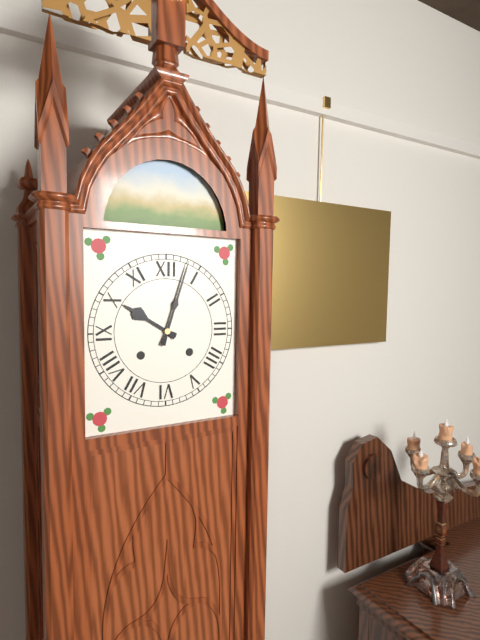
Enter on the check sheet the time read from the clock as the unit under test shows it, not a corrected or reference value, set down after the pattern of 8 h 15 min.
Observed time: 10 h 03 min
